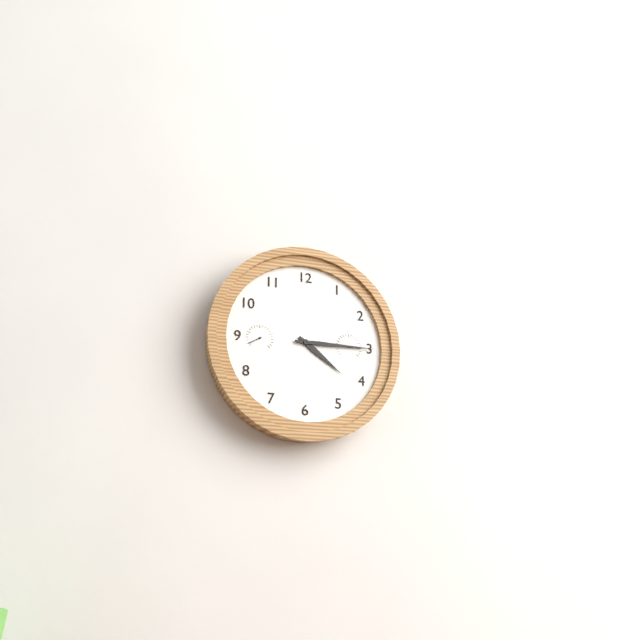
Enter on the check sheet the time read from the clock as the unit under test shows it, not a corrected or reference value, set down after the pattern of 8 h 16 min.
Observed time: 4 h 15 min
